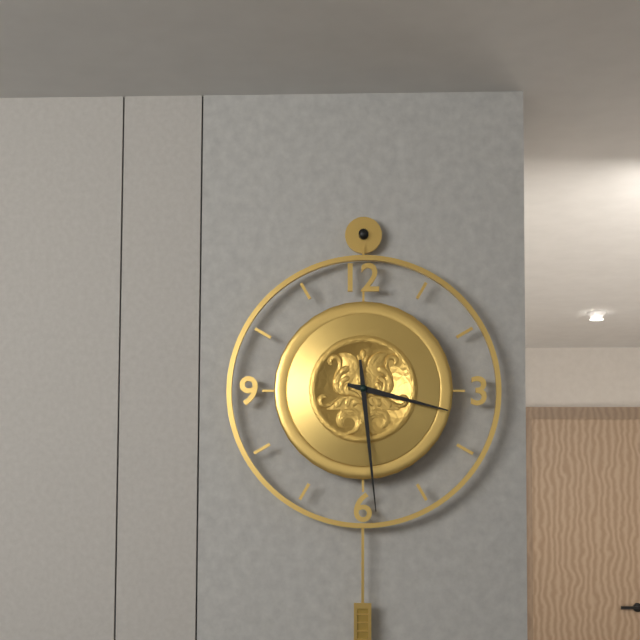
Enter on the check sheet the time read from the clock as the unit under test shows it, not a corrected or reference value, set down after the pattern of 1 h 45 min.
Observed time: 3 h 29 min
